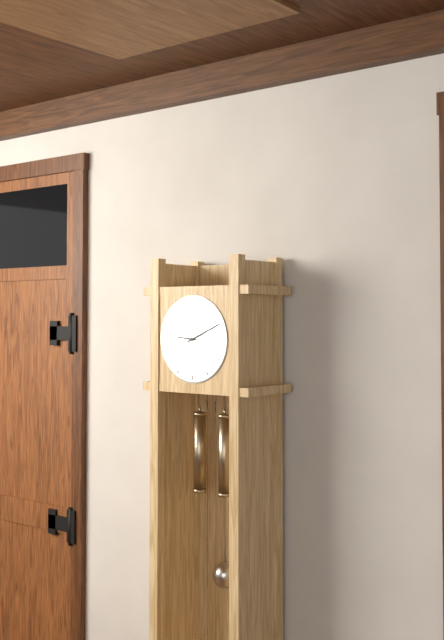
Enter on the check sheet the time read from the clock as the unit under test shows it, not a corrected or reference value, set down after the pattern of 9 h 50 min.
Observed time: 9 h 11 min
